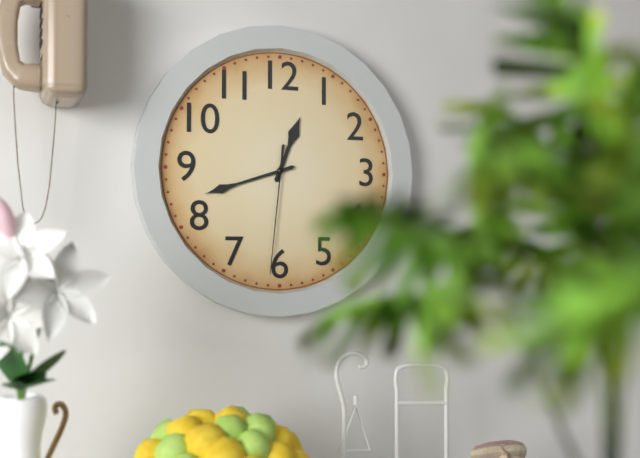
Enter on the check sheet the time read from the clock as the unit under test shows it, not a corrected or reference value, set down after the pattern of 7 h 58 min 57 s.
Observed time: 12 h 42 min 31 s
